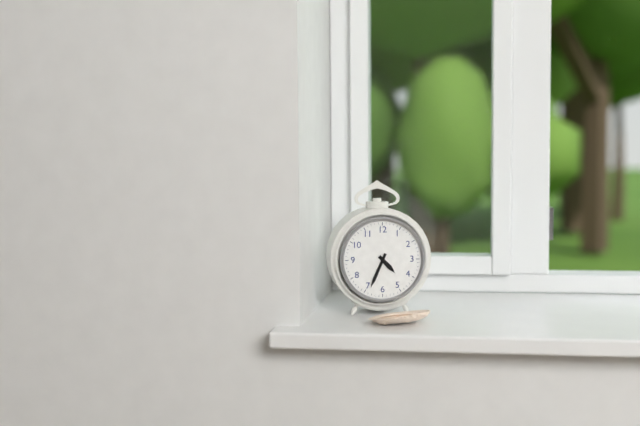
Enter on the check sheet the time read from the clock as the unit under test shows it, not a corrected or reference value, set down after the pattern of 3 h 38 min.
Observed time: 4 h 34 min
